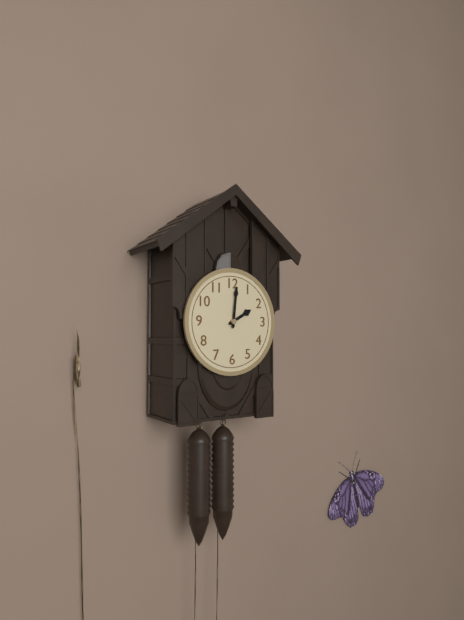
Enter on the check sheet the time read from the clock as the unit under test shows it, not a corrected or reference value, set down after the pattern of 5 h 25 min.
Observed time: 2 h 01 min
